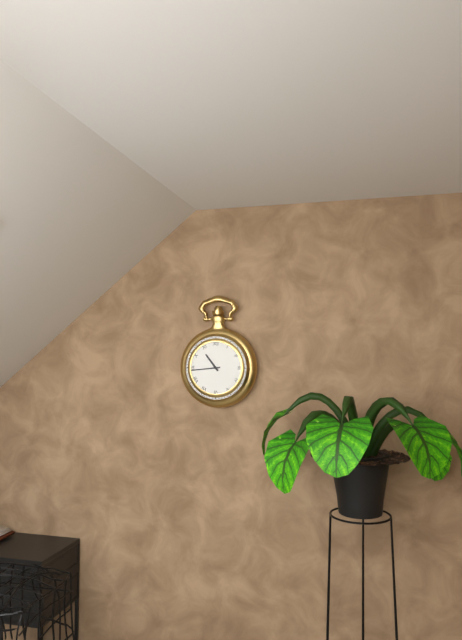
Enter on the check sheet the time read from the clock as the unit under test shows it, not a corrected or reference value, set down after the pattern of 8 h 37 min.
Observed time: 10 h 44 min
